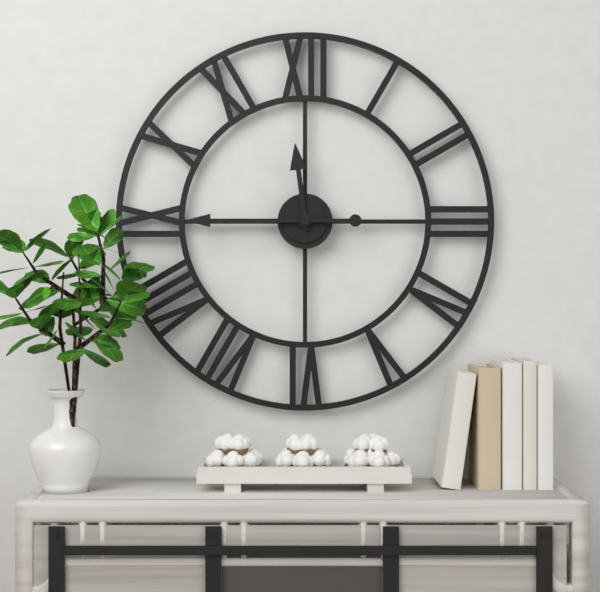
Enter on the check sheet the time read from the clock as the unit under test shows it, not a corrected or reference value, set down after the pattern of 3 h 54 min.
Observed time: 11 h 45 min
